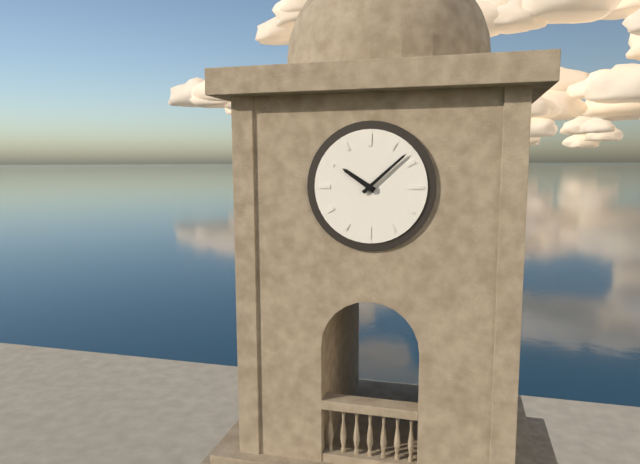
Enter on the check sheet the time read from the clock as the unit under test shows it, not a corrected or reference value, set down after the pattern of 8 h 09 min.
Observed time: 10 h 08 min
